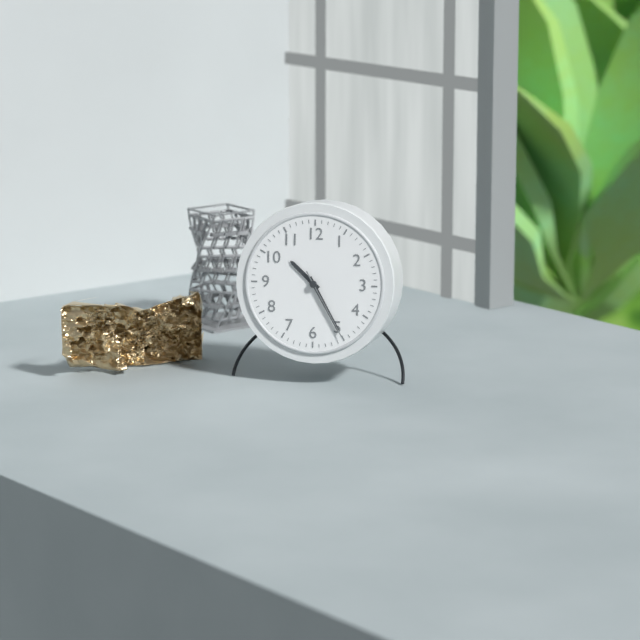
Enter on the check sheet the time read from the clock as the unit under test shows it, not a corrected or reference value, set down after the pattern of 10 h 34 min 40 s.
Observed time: 10 h 25 min 25 s
